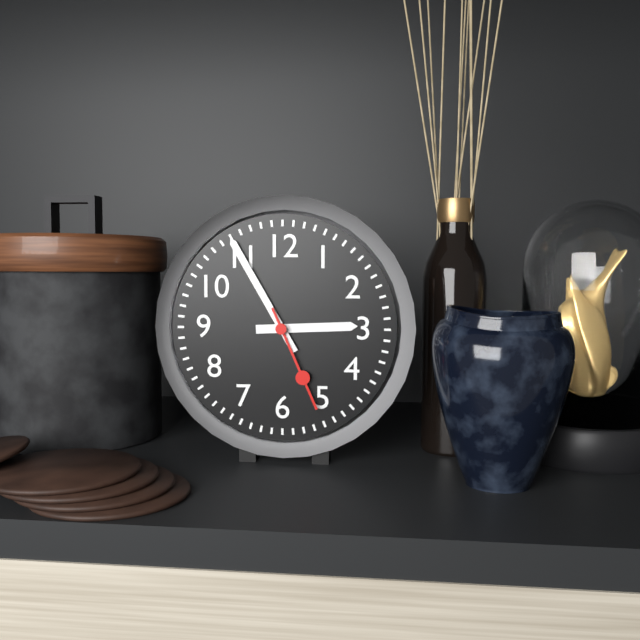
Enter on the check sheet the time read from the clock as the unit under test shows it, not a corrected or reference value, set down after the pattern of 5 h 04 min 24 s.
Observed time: 2 h 55 min 26 s
